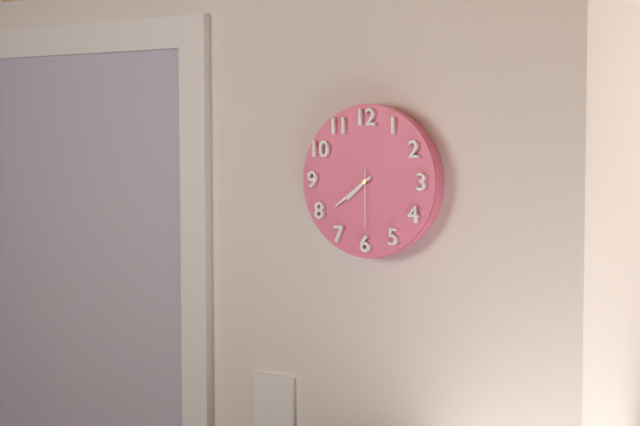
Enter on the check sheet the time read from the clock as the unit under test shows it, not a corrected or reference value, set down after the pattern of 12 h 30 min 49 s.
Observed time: 7 h 39 min 30 s
